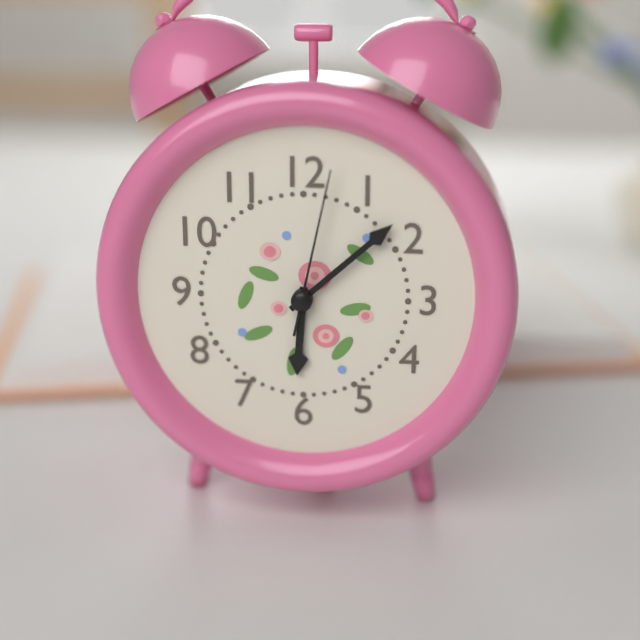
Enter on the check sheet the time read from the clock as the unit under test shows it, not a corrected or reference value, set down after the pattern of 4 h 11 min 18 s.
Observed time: 6 h 08 min 02 s
